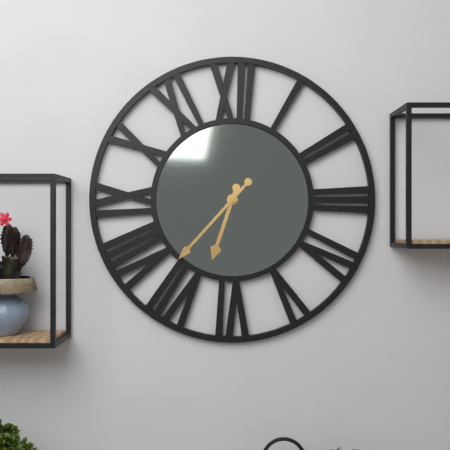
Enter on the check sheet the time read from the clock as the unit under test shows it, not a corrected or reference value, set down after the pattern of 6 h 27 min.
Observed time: 6 h 37 min
